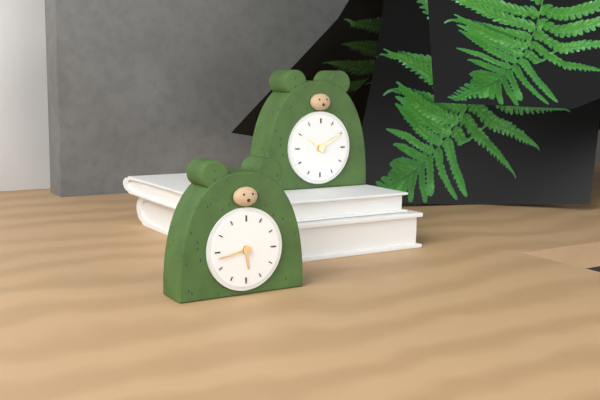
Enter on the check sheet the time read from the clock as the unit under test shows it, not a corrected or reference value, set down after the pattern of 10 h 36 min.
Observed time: 5 h 43 min
